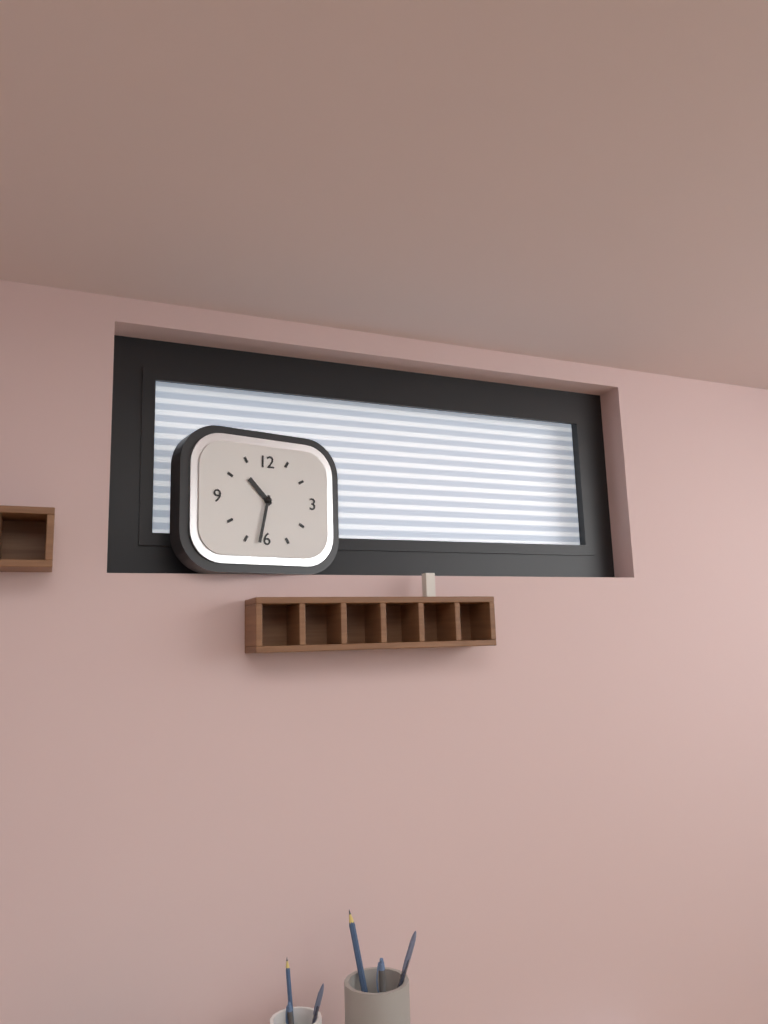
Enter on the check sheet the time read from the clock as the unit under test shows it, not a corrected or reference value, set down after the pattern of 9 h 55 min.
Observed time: 10 h 32 min
